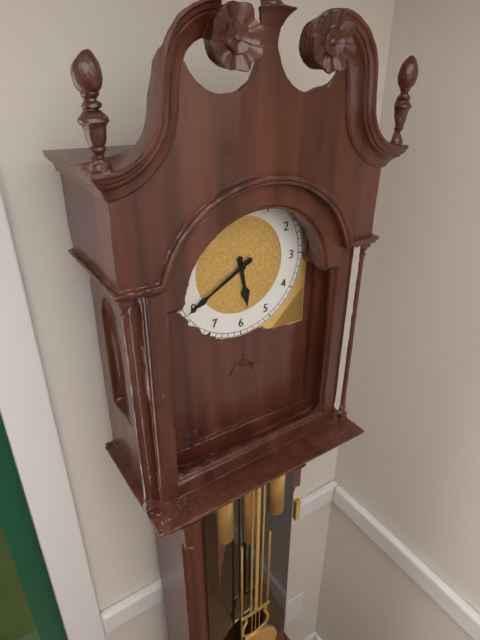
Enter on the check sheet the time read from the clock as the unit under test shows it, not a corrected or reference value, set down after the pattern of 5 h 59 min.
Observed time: 5 h 40 min
